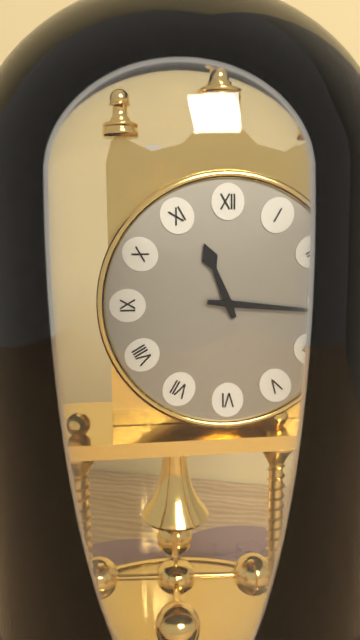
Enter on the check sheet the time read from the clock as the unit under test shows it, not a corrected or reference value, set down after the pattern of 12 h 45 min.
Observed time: 11 h 16 min
